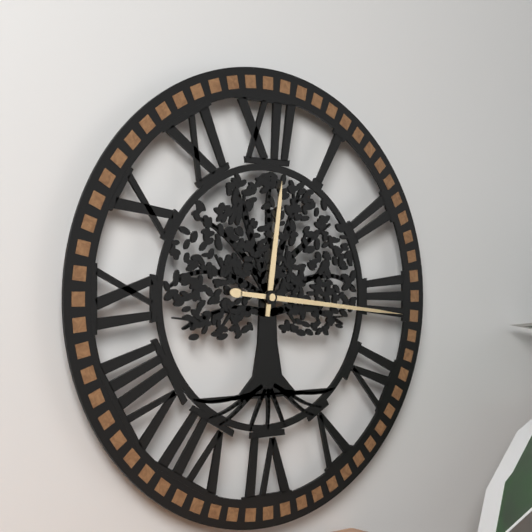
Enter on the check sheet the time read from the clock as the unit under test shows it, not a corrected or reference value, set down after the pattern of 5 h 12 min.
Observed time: 12 h 16 min
